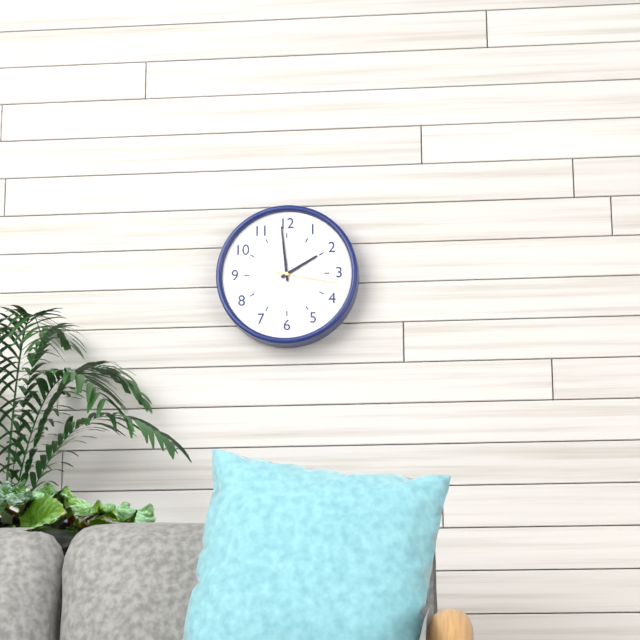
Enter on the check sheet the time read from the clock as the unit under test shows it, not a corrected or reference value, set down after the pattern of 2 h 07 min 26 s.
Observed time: 1 h 59 min 17 s
